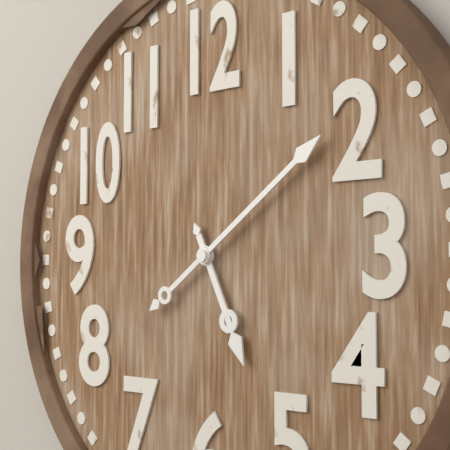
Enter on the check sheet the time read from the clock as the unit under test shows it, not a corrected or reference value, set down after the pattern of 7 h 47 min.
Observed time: 5 h 09 min
